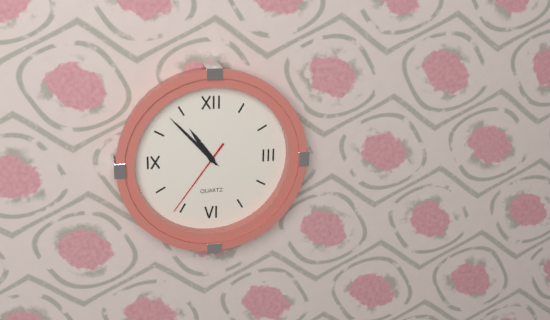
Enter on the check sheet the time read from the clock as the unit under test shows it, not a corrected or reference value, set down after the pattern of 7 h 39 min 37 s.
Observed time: 10 h 53 min 36 s
